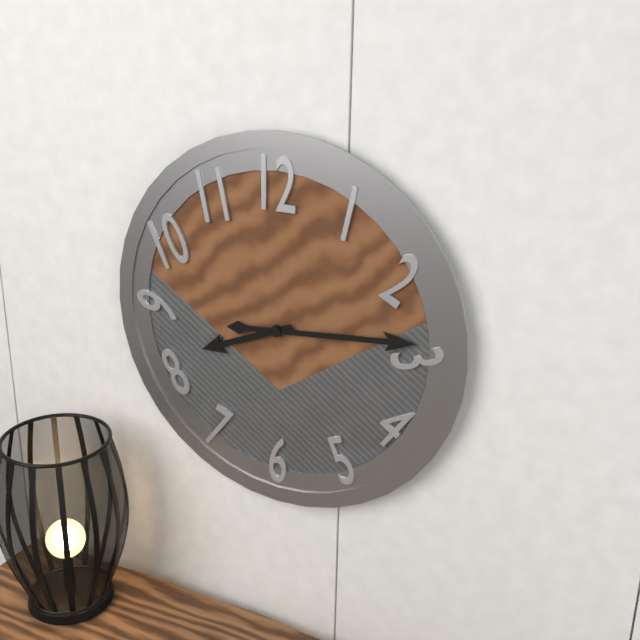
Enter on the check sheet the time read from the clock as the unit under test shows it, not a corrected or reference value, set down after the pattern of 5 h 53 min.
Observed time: 8 h 14 min
